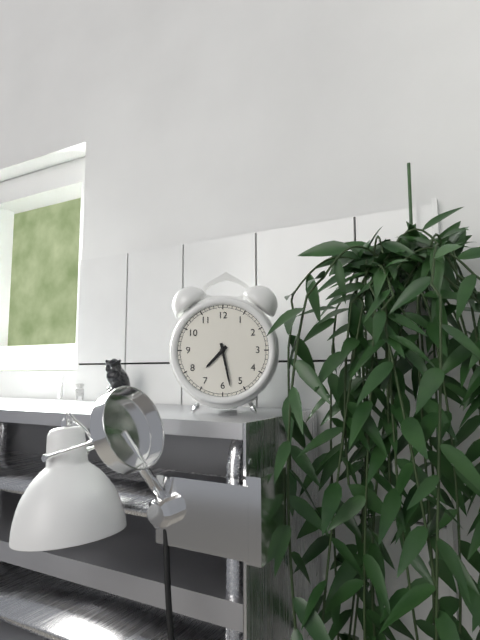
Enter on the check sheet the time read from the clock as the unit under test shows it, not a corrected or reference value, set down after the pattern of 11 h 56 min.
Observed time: 7 h 28 min
